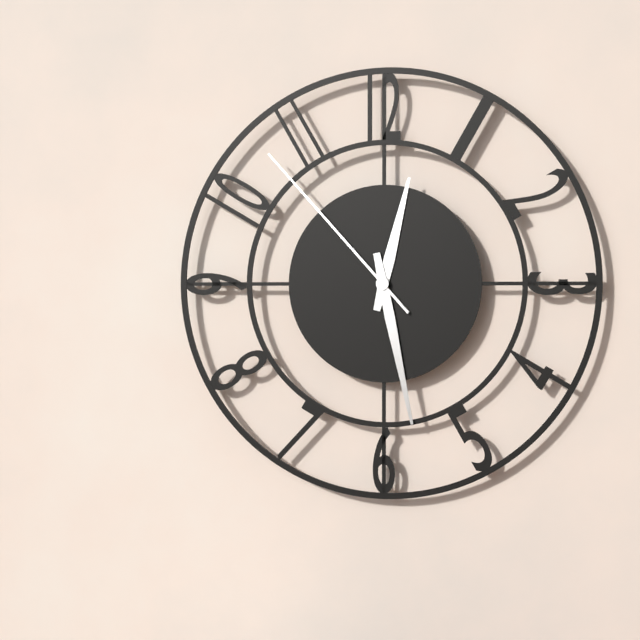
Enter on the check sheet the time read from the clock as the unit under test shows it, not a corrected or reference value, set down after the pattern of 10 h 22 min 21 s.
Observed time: 12 h 28 min 53 s
